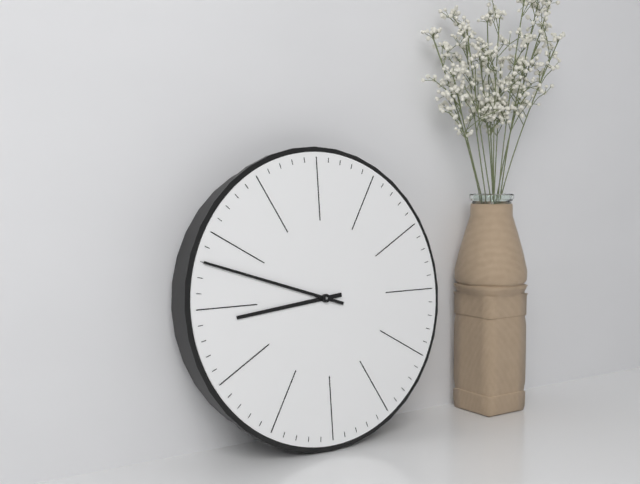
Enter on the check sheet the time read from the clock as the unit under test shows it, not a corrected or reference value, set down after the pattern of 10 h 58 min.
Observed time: 8 h 48 min
